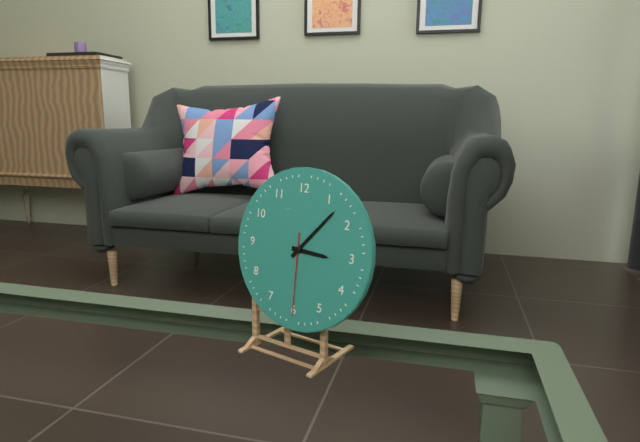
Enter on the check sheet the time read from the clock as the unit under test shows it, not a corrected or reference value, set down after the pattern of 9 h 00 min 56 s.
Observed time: 3 h 07 min 30 s
